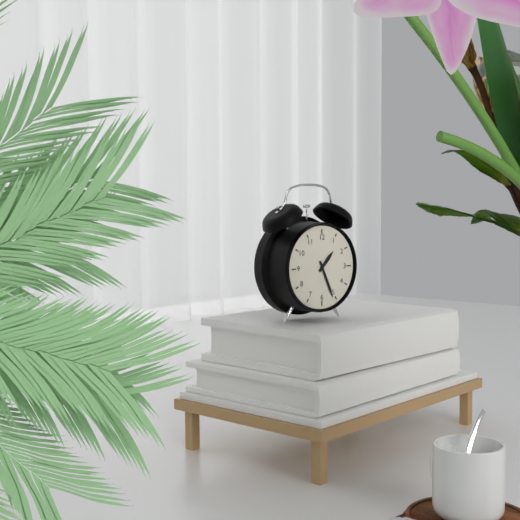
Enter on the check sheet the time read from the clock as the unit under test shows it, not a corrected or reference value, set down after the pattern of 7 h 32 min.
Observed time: 1 h 26 min
